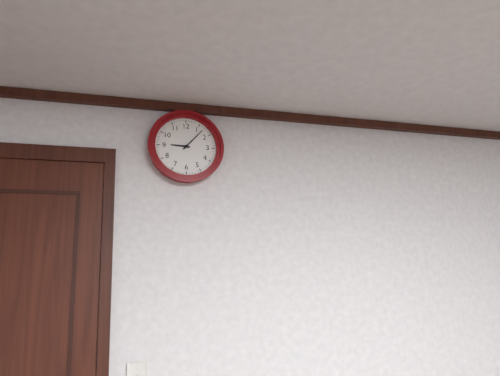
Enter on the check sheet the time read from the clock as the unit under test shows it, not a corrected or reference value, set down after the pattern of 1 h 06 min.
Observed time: 9 h 07 min
